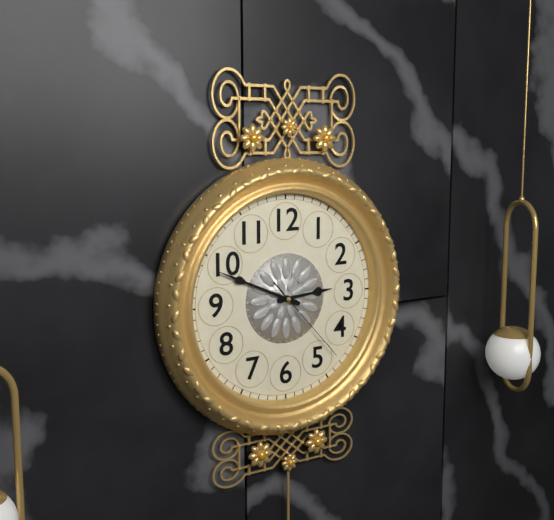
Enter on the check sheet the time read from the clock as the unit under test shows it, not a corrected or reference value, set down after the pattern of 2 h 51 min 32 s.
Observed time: 2 h 49 min 23 s
